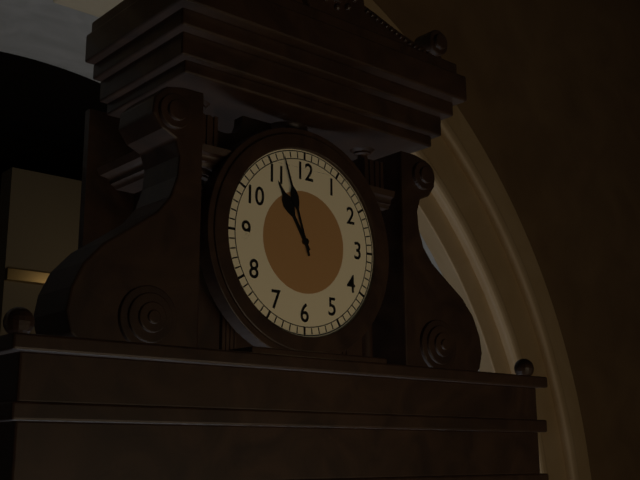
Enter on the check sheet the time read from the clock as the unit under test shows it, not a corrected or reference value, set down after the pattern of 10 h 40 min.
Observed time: 10 h 57 min
